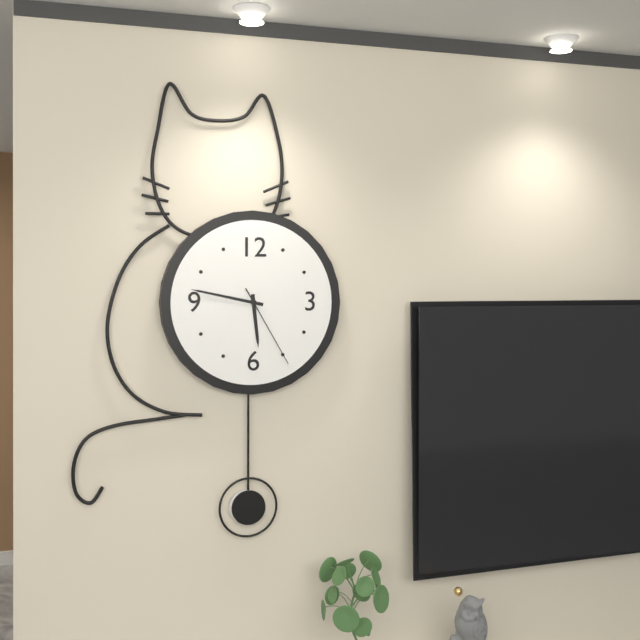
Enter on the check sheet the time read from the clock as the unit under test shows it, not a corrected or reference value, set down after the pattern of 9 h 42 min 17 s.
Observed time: 5 h 47 min 25 s
